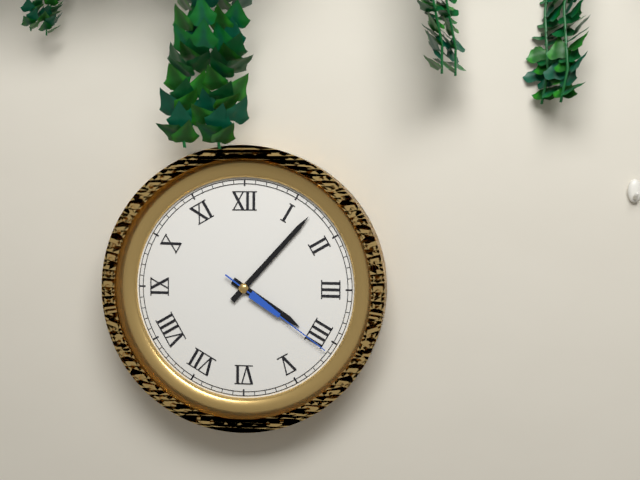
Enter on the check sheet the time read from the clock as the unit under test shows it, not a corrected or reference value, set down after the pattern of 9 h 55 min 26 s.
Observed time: 4 h 07 min 21 s
